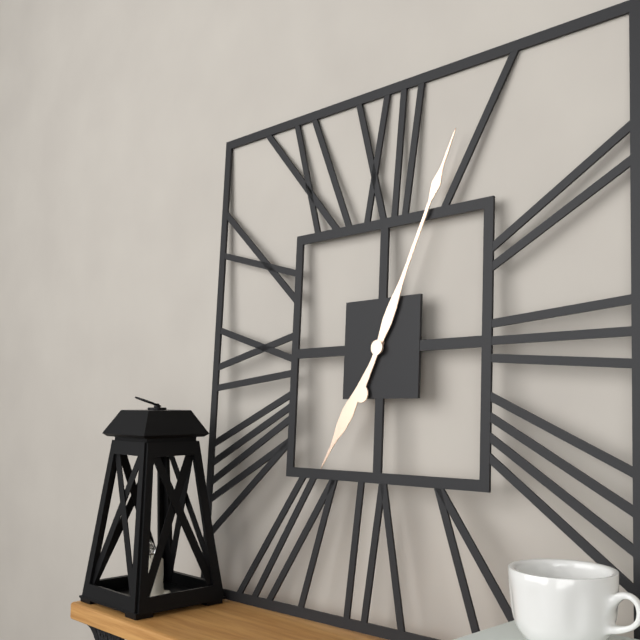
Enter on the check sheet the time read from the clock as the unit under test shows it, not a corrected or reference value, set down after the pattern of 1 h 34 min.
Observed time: 7 h 04 min
